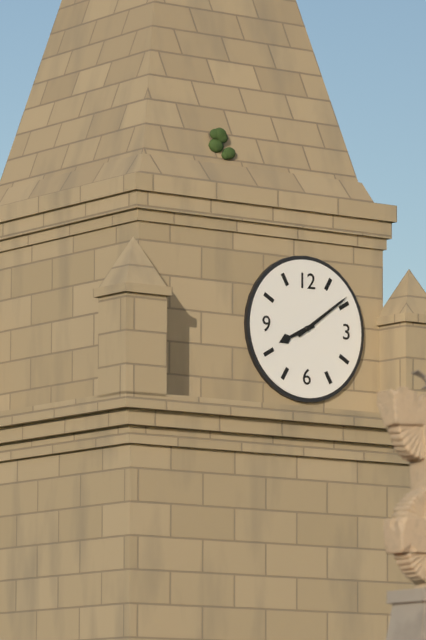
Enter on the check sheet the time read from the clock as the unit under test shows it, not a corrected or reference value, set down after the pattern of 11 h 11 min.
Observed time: 8 h 09 min
